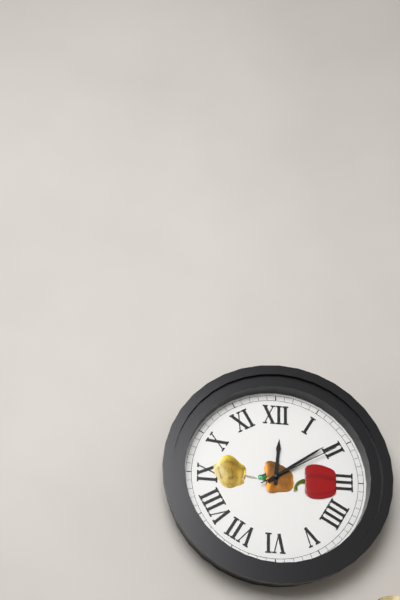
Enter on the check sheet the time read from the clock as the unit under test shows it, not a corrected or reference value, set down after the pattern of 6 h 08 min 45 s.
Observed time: 12 h 09 min 10 s
